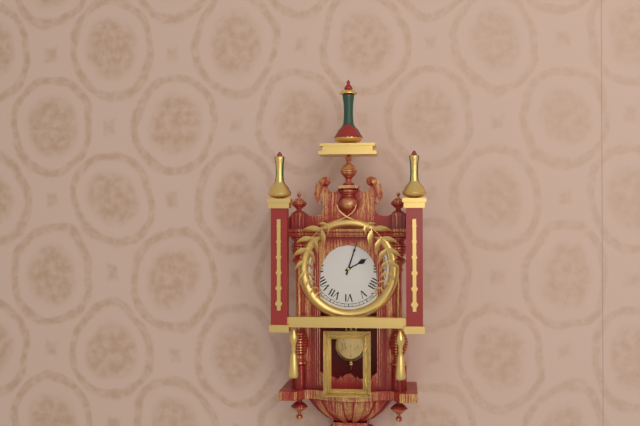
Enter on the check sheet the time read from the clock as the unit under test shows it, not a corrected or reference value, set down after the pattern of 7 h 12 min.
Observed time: 2 h 03 min
